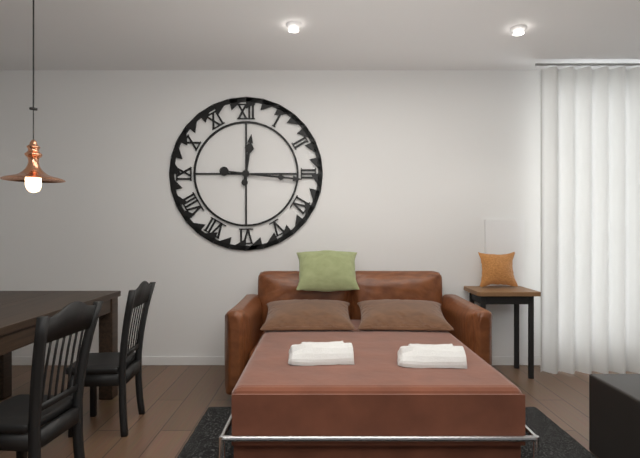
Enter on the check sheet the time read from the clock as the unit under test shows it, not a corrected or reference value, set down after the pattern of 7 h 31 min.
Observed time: 12 h 16 min
